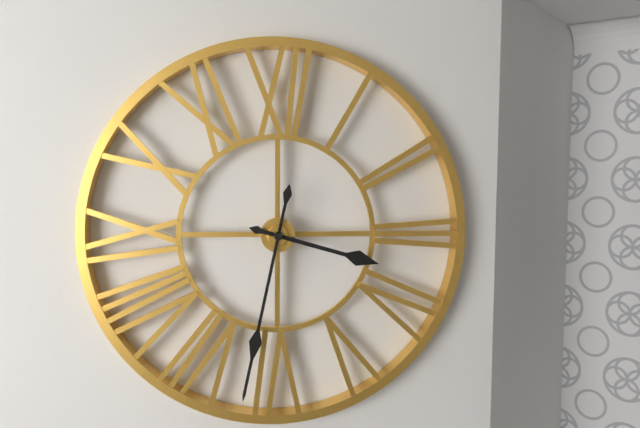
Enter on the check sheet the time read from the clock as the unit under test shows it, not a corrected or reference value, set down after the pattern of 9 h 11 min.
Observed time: 3 h 32 min
